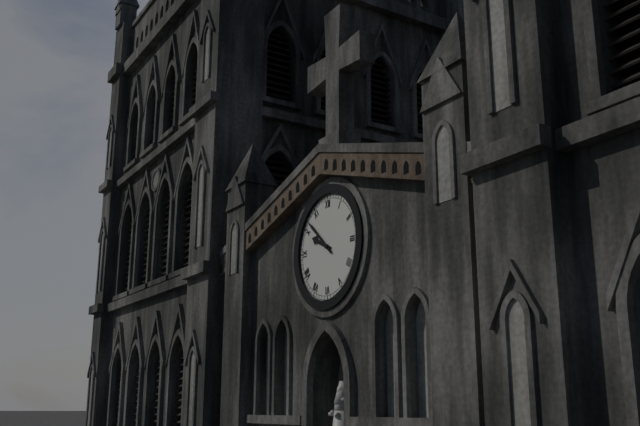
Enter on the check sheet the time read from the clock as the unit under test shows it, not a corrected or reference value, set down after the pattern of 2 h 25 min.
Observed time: 9 h 52 min
